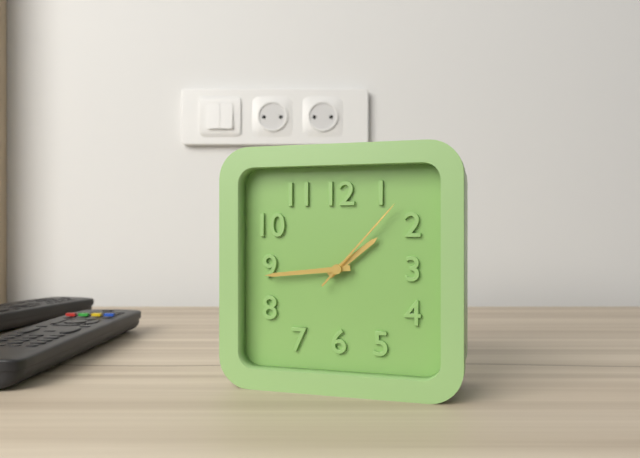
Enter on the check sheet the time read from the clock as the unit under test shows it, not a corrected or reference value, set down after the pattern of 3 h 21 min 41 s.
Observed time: 1 h 44 min 07 s
